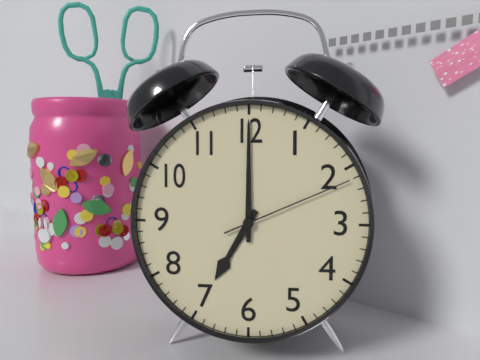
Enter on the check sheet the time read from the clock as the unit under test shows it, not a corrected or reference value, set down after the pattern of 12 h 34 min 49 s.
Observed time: 7 h 00 min 11 s
